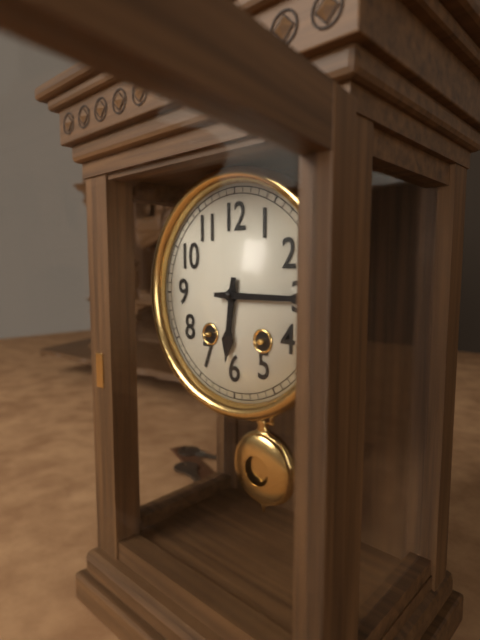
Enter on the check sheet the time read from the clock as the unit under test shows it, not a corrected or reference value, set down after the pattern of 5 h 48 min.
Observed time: 6 h 15 min
